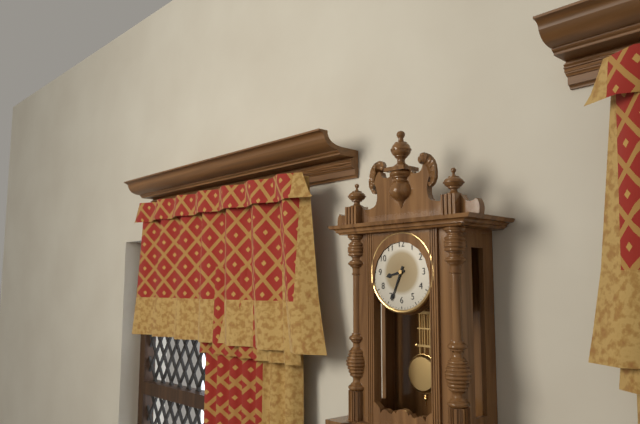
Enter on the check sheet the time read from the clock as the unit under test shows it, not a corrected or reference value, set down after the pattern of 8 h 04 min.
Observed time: 8 h 34 min
